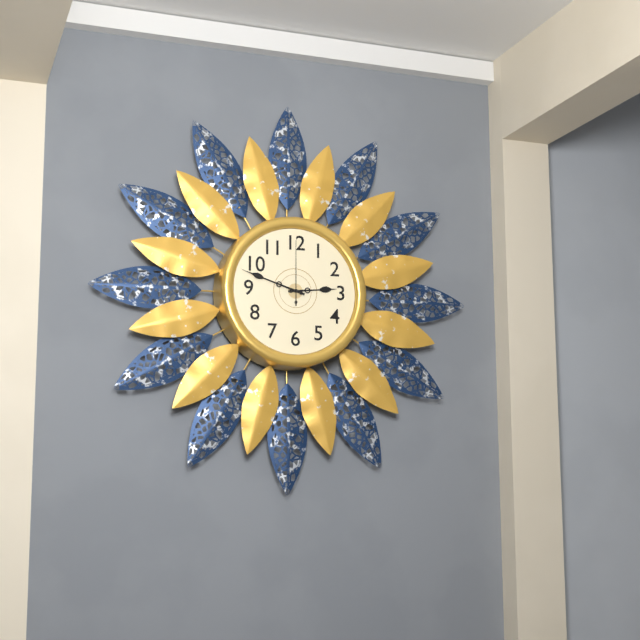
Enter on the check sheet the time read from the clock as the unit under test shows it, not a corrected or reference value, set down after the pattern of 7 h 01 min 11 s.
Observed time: 2 h 48 min 00 s
